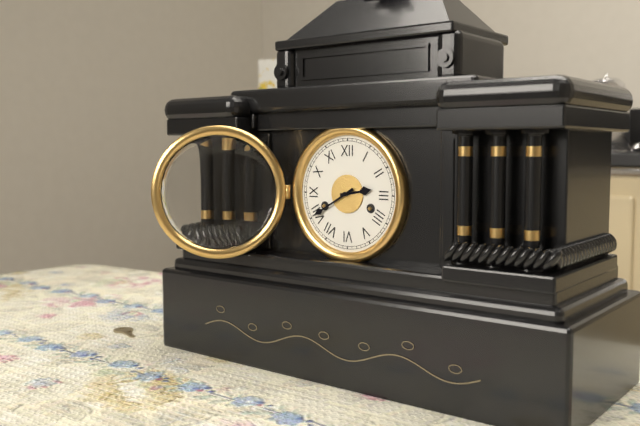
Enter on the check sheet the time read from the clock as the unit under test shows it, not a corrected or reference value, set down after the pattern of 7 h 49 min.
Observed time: 2 h 40 min
